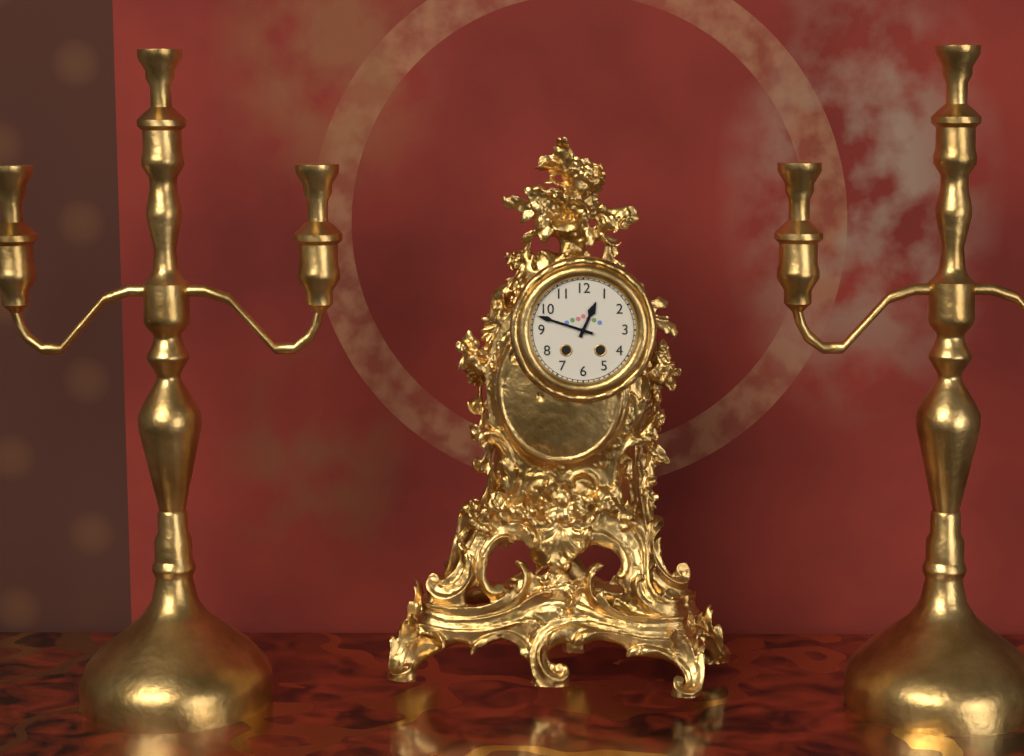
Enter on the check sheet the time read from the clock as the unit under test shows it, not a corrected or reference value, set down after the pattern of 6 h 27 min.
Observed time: 12 h 48 min
